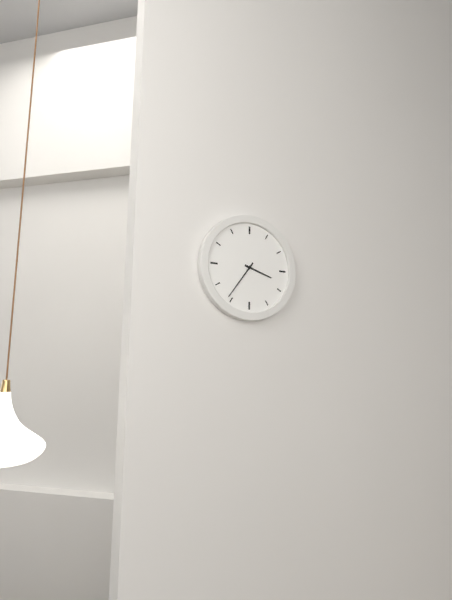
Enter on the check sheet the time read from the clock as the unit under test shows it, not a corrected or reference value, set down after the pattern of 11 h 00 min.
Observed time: 3 h 36 min
